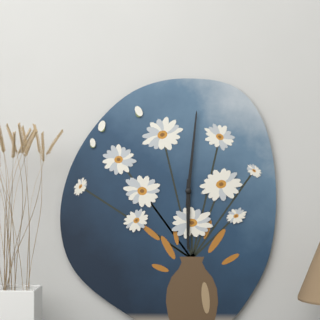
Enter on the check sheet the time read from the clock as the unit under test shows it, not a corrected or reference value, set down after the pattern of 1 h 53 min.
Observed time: 6 h 01 min
